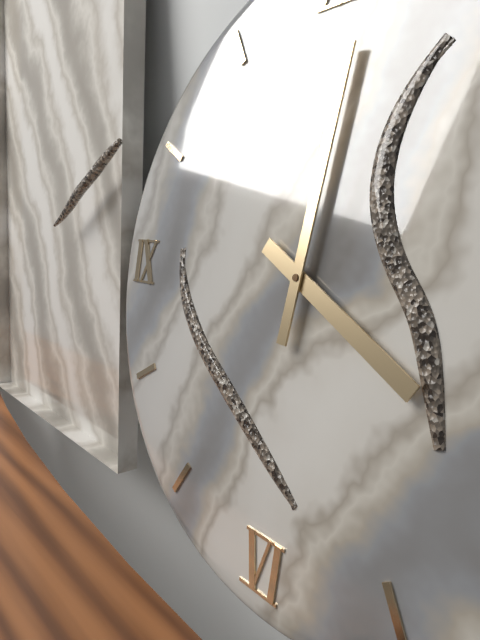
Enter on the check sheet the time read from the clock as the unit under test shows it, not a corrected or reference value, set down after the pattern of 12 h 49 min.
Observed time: 4 h 01 min
